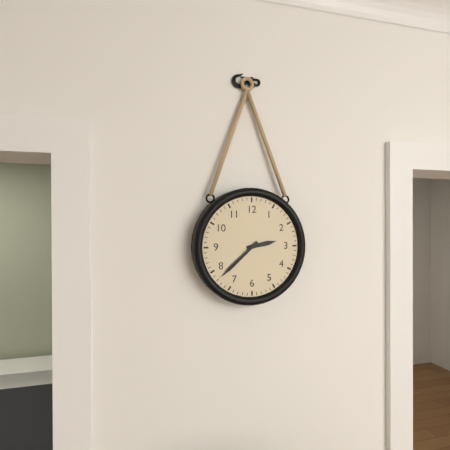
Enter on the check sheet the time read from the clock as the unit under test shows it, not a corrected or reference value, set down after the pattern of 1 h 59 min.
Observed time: 2 h 38 min
